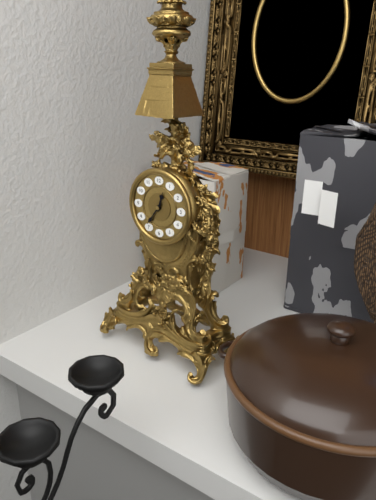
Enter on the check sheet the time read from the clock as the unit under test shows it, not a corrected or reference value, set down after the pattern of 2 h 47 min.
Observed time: 12 h 36 min
